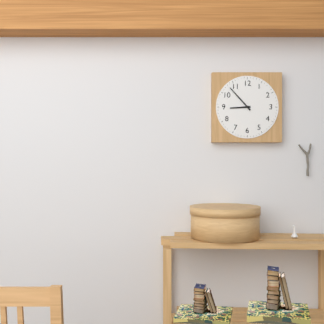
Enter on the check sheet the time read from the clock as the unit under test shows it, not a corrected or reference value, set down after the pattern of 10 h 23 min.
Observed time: 8 h 53 min
